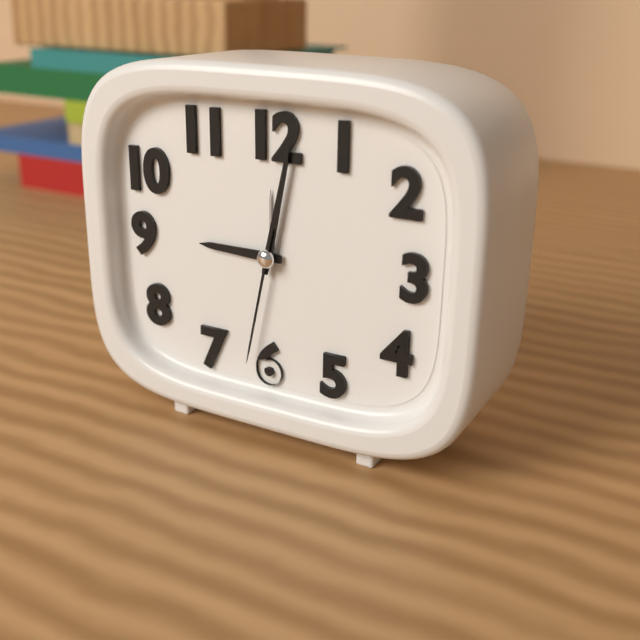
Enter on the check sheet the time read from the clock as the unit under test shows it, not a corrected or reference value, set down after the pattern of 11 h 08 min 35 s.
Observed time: 9 h 02 min 32 s
